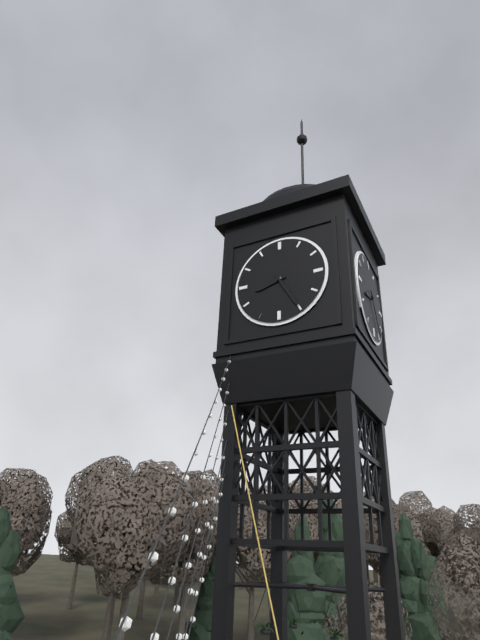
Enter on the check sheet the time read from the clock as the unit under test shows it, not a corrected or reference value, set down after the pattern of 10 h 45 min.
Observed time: 8 h 25 min
